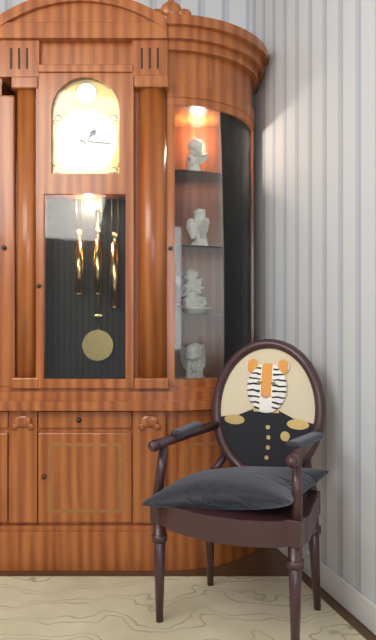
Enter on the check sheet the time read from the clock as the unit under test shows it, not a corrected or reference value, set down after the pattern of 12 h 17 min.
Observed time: 1 h 16 min
